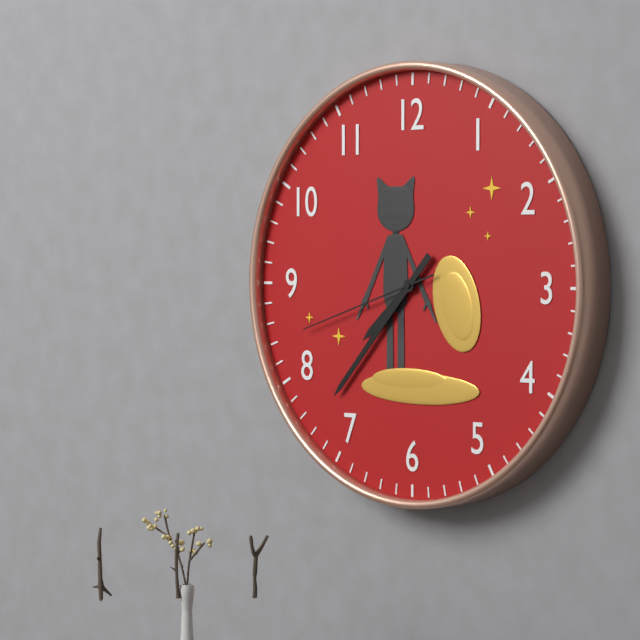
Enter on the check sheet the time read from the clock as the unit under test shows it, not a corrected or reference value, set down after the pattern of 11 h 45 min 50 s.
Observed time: 7 h 37 min 42 s
